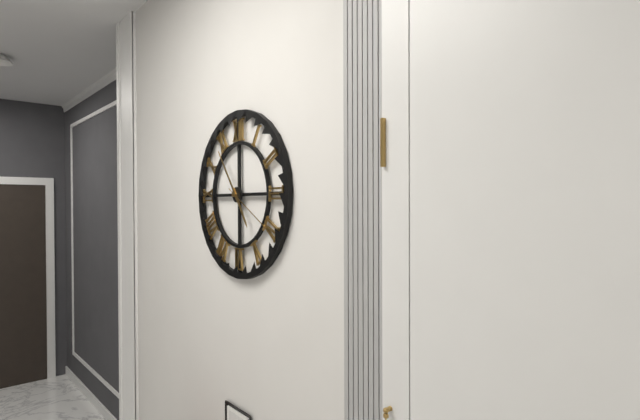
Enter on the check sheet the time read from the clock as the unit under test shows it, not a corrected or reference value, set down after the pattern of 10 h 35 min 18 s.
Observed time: 4 h 54 min 20 s
